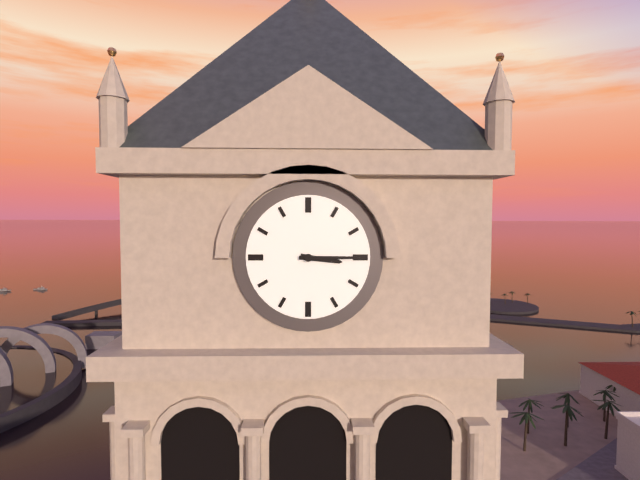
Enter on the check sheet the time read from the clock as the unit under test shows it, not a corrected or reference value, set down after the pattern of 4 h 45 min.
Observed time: 3 h 15 min
